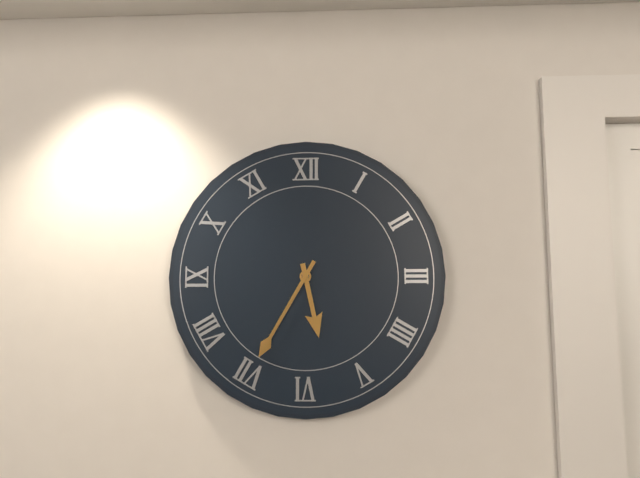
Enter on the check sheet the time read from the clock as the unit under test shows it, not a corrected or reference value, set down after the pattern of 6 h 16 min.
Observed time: 5 h 35 min
